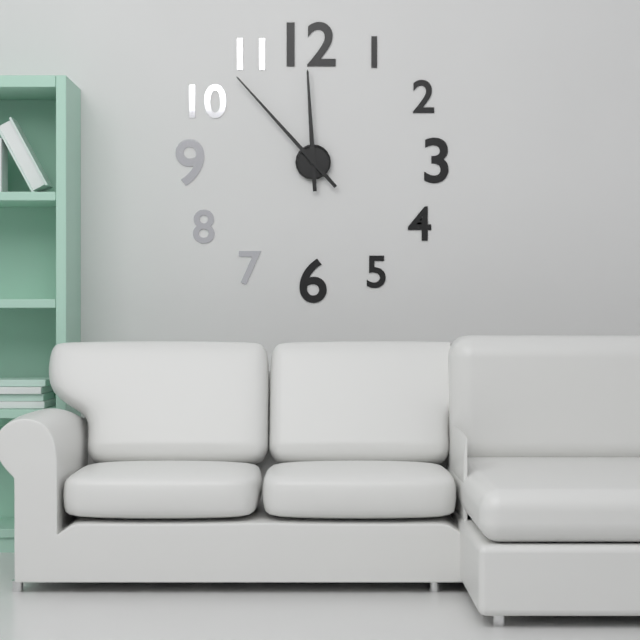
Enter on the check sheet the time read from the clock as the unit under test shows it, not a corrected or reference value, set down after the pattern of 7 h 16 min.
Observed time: 11 h 53 min
